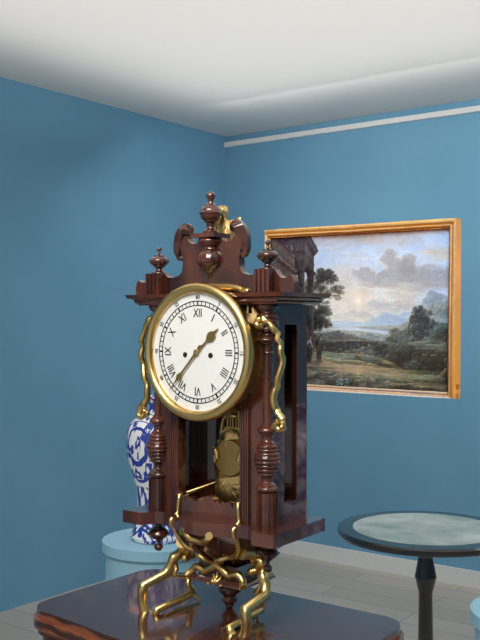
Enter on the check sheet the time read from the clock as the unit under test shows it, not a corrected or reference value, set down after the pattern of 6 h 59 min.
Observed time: 1 h 37 min
